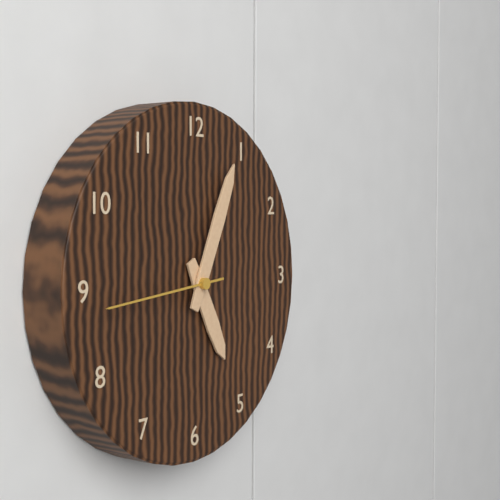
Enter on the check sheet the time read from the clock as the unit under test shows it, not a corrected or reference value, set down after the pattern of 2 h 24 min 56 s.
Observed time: 5 h 04 min 44 s
